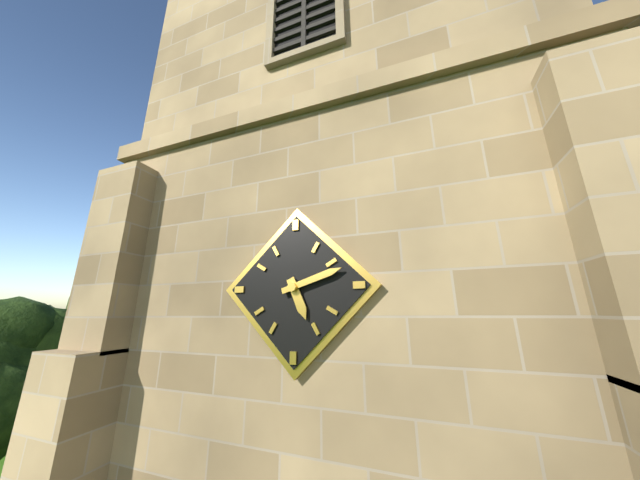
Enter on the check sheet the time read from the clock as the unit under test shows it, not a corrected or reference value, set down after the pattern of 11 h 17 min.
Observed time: 5 h 12 min
